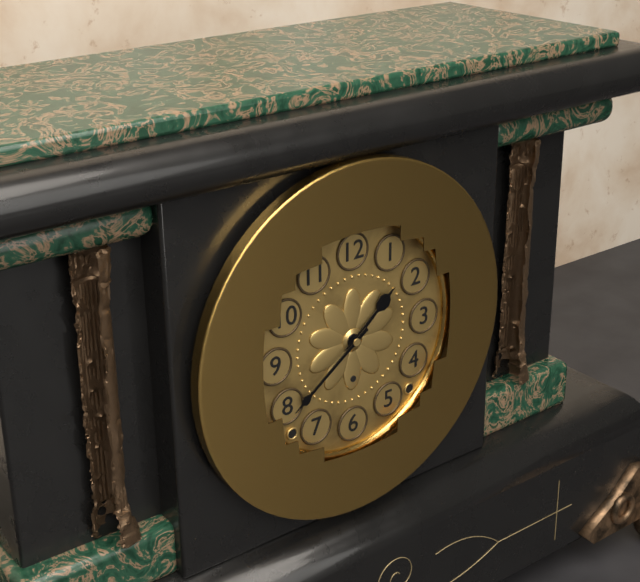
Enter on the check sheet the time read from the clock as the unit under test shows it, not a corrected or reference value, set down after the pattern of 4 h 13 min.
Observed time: 1 h 39 min
